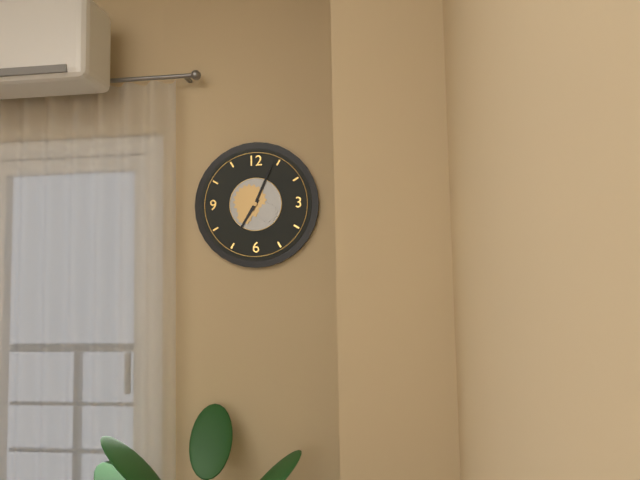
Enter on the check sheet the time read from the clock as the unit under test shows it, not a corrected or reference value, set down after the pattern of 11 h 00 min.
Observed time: 7 h 04 min
